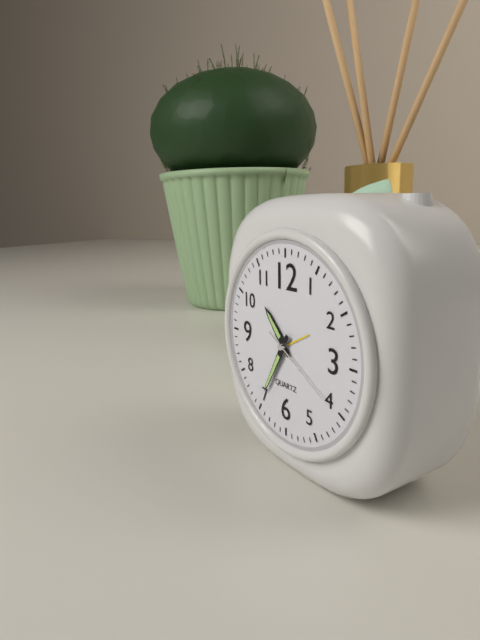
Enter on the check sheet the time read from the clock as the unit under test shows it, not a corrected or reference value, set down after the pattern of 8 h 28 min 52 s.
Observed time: 10 h 35 min 20 s
